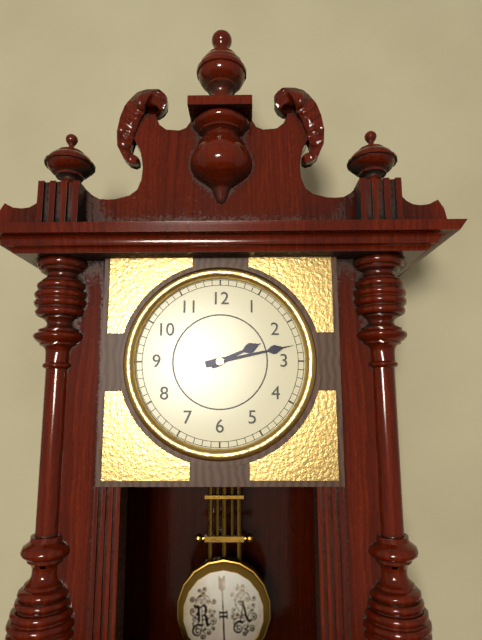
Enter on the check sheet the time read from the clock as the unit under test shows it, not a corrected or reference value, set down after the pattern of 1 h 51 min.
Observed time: 2 h 13 min
